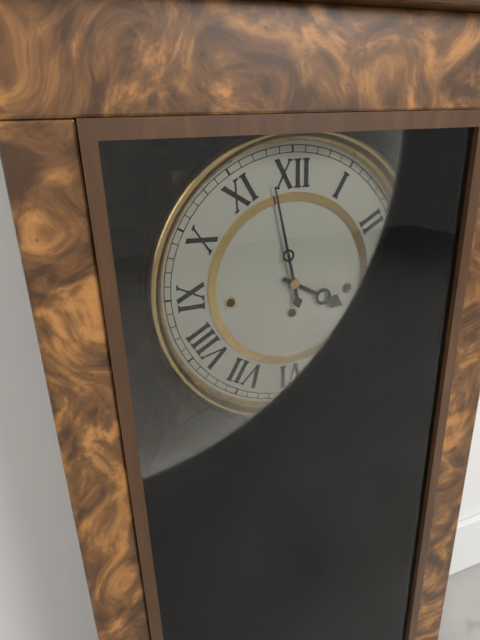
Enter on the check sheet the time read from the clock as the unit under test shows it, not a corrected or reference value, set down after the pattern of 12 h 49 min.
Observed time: 3 h 58 min
